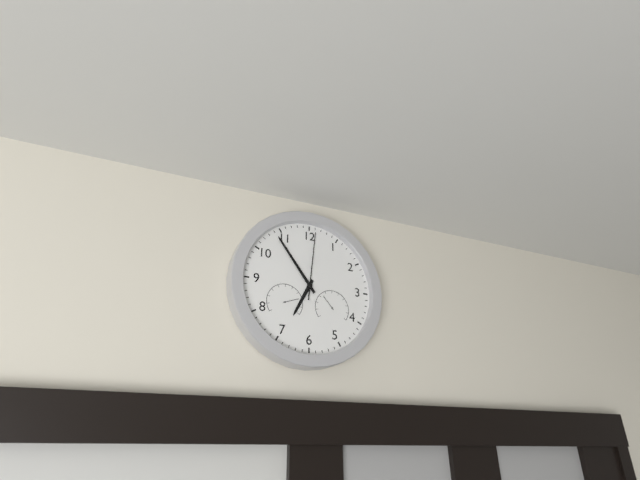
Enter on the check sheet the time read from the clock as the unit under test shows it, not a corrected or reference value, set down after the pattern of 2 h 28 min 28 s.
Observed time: 6 h 54 min 01 s
